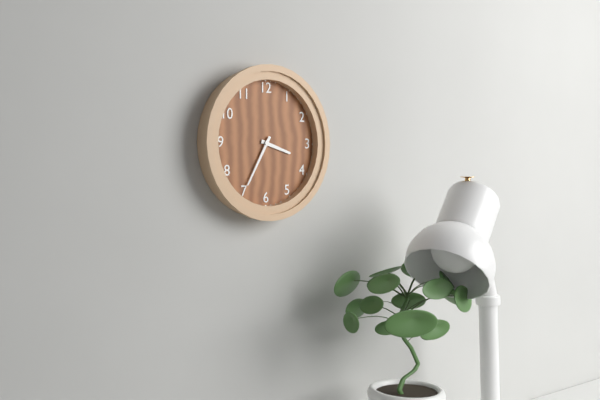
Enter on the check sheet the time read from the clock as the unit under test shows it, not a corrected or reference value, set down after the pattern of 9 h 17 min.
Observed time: 3 h 35 min
